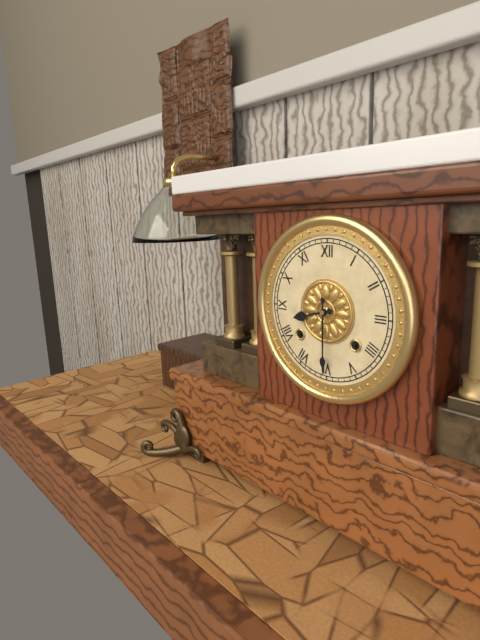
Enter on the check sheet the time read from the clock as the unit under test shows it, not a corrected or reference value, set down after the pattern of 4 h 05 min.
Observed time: 8 h 30 min
